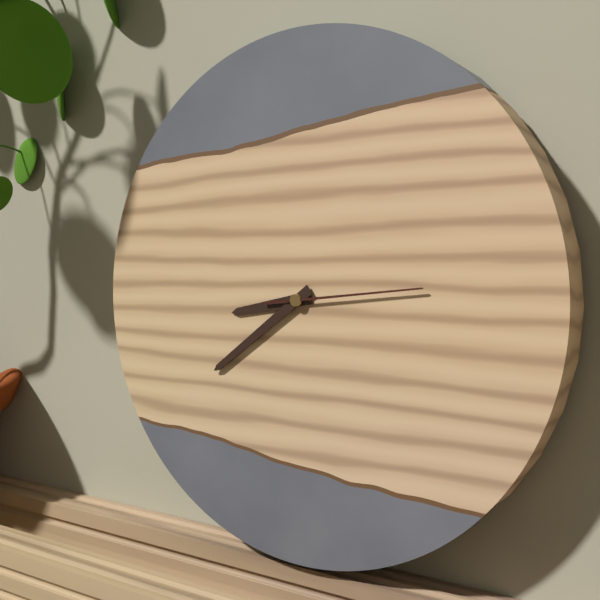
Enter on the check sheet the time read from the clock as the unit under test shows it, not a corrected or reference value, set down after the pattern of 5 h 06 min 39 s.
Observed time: 8 h 39 min 14 s
